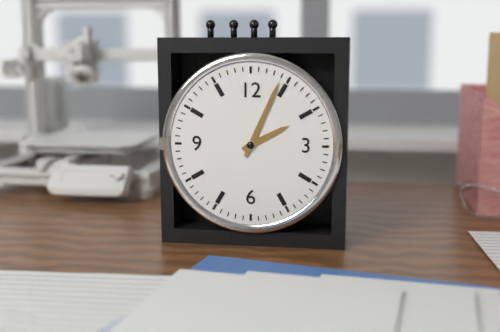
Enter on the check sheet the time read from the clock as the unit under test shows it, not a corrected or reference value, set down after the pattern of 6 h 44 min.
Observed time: 2 h 04 min
